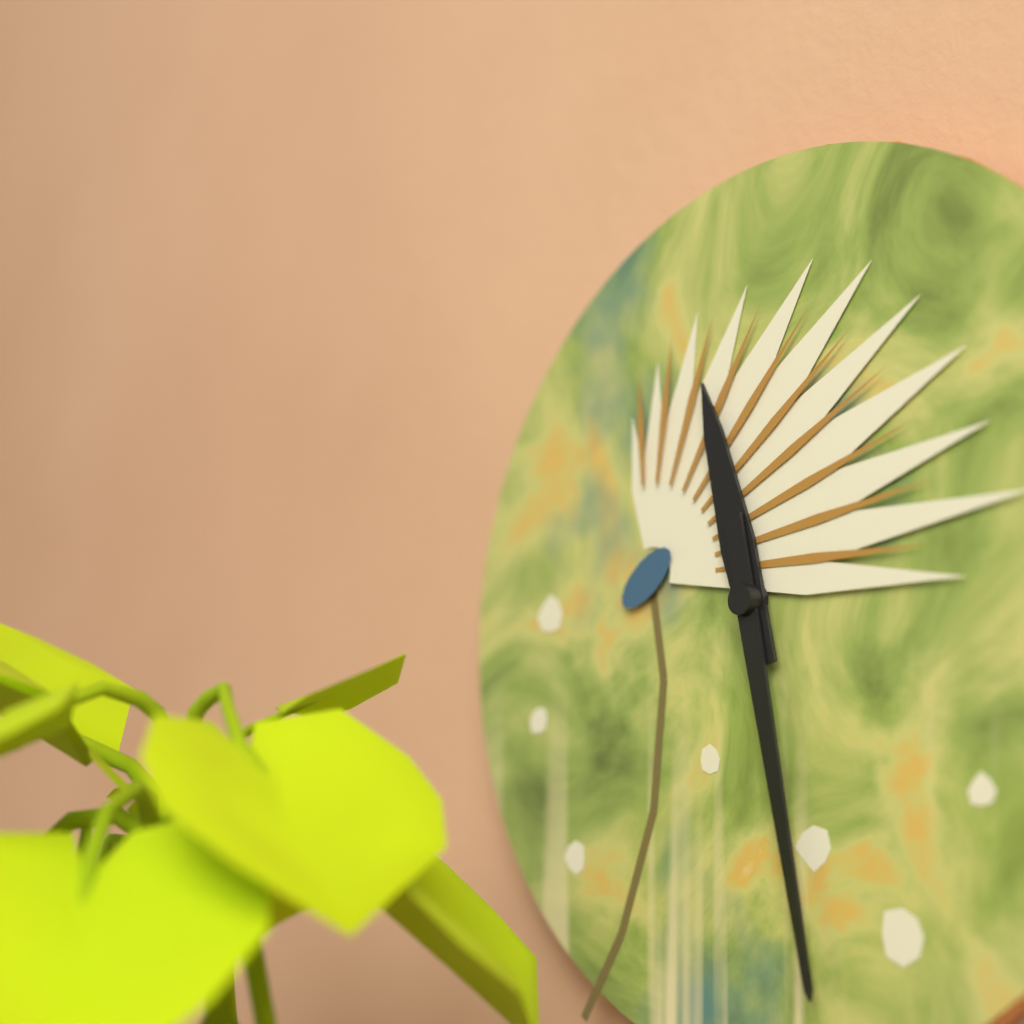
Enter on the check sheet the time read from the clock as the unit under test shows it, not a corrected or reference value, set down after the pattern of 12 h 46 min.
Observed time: 11 h 28 min
